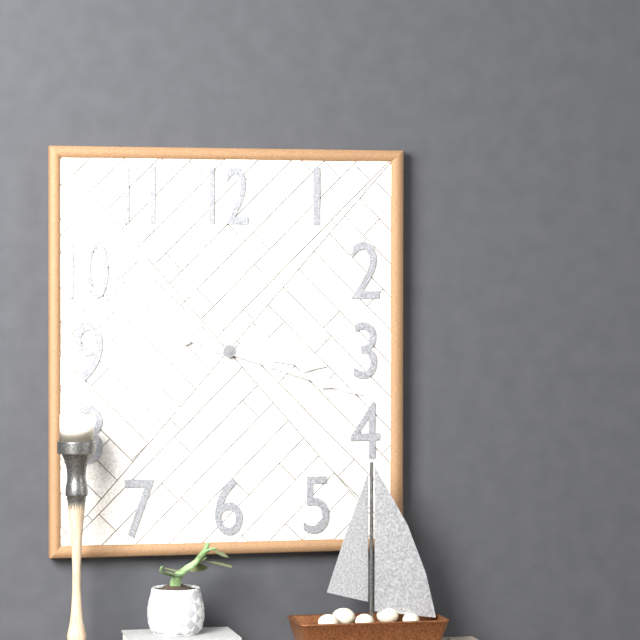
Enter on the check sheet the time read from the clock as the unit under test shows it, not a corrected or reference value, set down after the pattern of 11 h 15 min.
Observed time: 3 h 18 min
